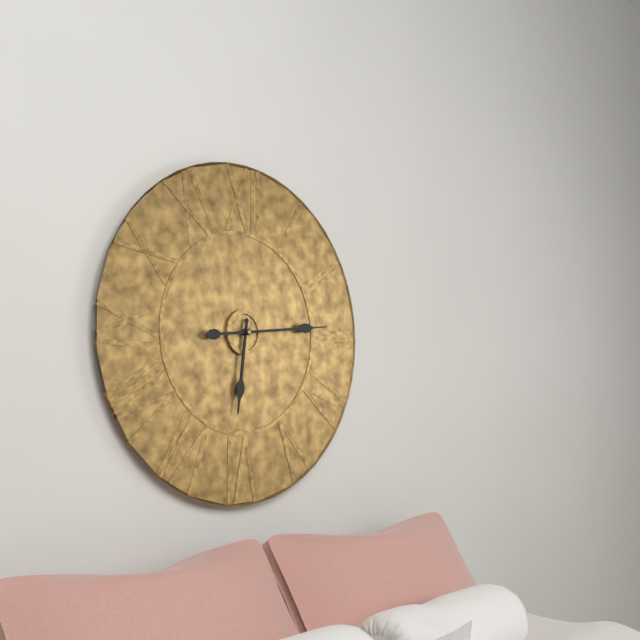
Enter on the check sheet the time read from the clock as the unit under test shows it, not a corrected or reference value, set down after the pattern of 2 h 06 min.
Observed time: 6 h 14 min
